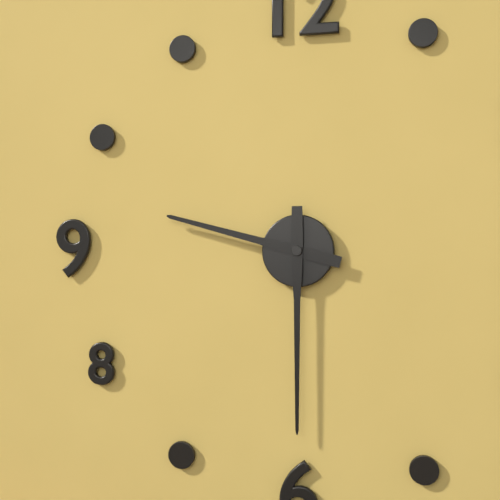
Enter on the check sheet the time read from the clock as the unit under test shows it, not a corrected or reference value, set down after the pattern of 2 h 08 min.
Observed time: 9 h 30 min
